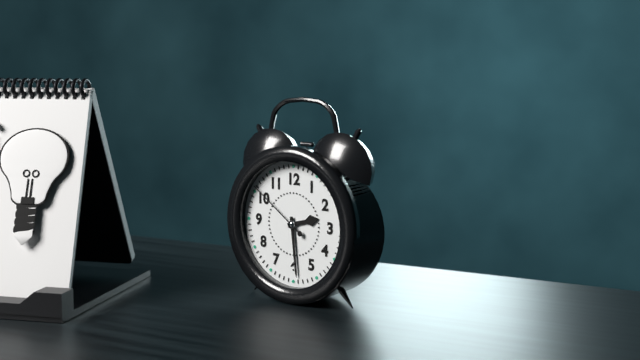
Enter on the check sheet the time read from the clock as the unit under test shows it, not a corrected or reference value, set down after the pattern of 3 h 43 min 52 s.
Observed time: 2 h 29 min 51 s
